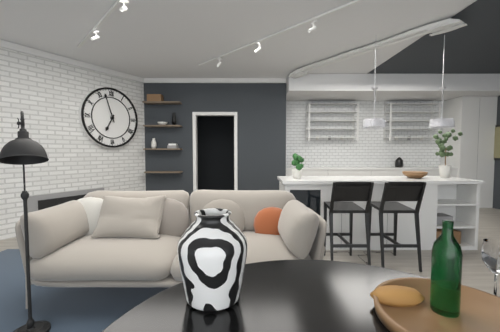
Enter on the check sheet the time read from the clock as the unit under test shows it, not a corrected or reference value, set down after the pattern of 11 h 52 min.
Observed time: 6 h 57 min
